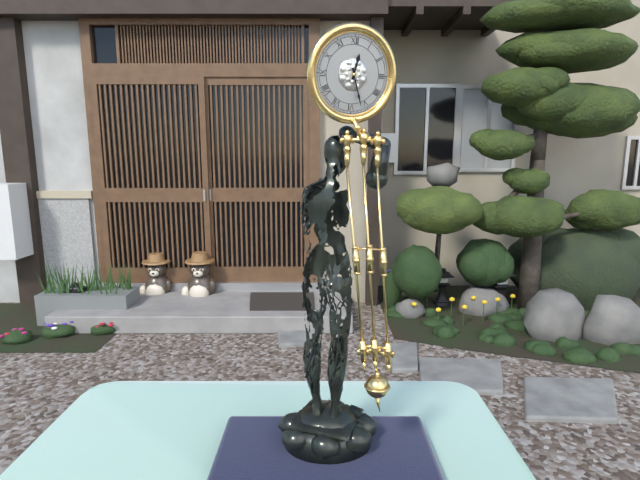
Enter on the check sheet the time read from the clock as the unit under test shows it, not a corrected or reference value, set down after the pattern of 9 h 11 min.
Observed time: 12 h 27 min
